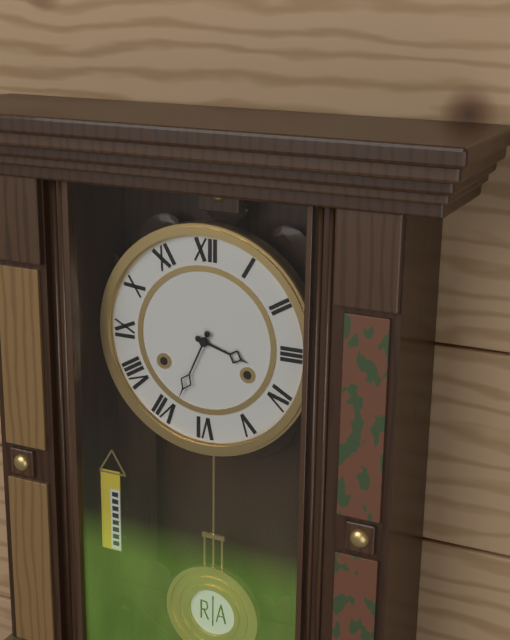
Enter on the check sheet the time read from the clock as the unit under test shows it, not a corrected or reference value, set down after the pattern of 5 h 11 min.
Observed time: 3 h 34 min
